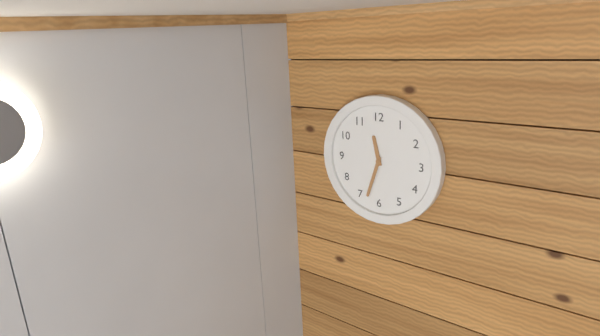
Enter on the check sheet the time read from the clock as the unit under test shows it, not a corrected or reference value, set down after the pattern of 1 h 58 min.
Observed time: 11 h 33 min
